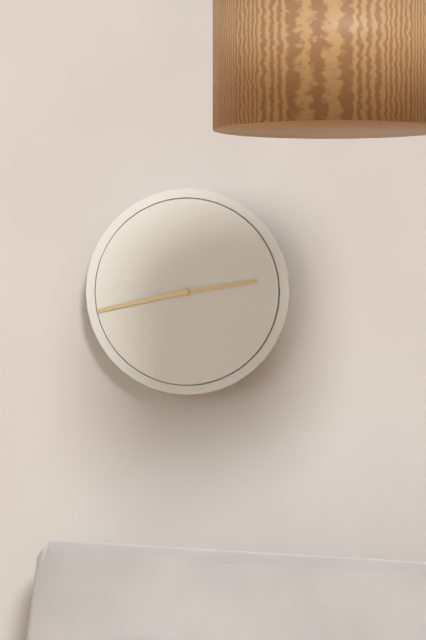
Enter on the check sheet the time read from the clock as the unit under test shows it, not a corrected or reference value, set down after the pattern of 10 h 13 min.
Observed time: 2 h 43 min
